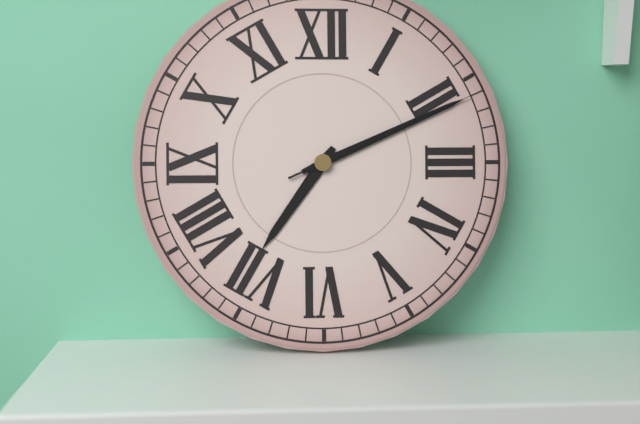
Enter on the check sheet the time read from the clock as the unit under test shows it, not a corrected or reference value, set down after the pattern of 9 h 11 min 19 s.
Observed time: 7 h 11 min 11 s
